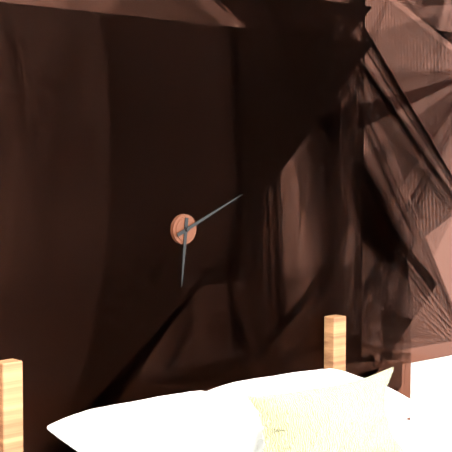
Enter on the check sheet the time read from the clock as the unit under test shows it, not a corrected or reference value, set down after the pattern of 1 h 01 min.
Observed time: 6 h 11 min
